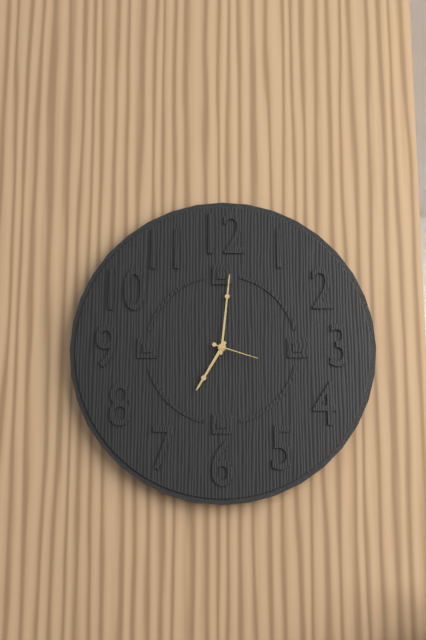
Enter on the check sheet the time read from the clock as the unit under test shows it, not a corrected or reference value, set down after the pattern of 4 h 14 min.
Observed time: 7 h 01 min
